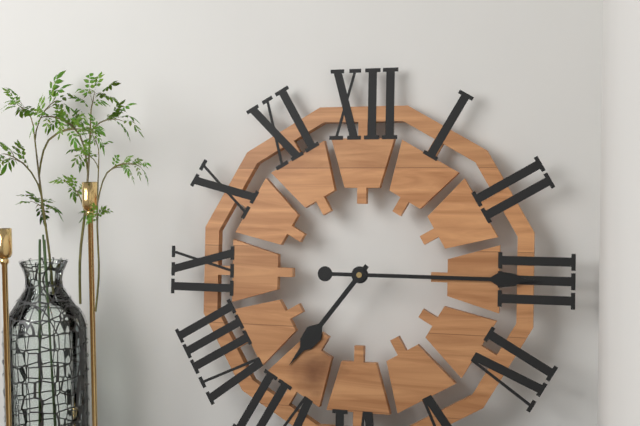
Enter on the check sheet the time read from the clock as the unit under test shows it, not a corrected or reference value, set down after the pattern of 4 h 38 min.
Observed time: 7 h 15 min
